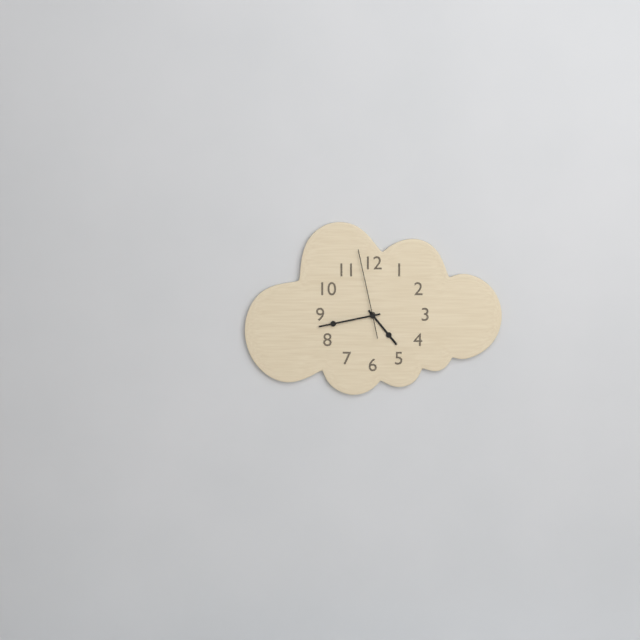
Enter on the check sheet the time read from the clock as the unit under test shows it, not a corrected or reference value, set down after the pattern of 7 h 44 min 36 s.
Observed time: 4 h 43 min 58 s
